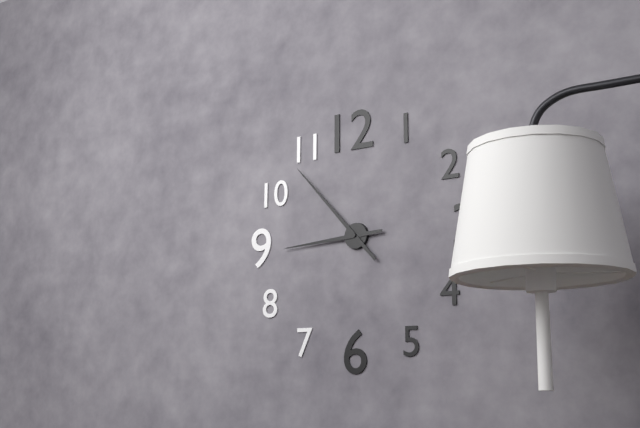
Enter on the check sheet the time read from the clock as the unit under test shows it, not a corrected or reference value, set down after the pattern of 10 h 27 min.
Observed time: 8 h 53 min
